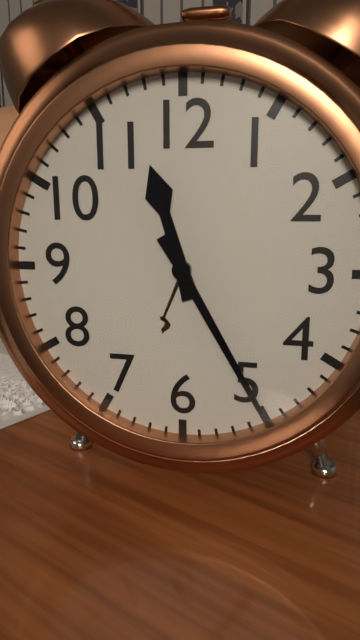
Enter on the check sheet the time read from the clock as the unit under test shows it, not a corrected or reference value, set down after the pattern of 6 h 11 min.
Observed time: 11 h 25 min
